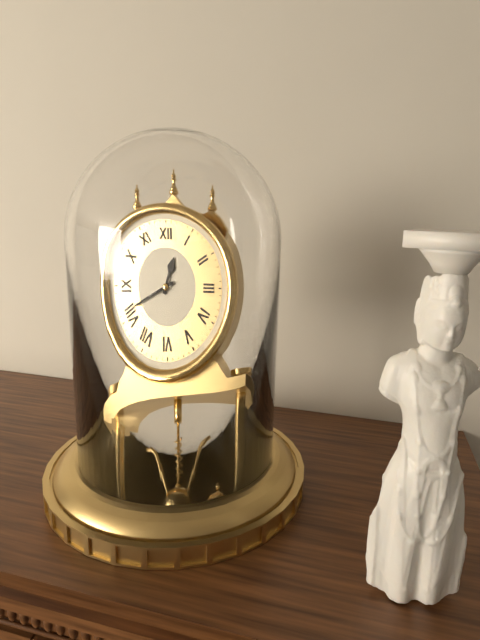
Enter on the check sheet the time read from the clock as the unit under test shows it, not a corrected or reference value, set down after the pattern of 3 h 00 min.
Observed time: 12 h 41 min
